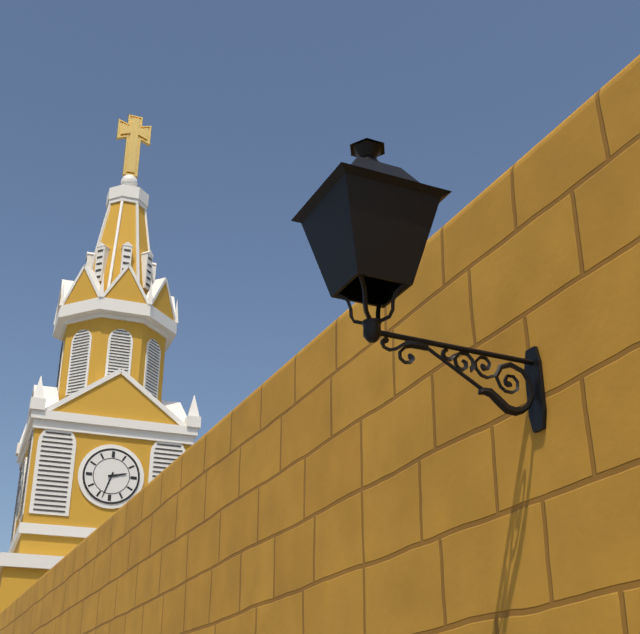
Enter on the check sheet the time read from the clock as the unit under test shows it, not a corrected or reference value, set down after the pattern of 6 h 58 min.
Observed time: 2 h 33 min
